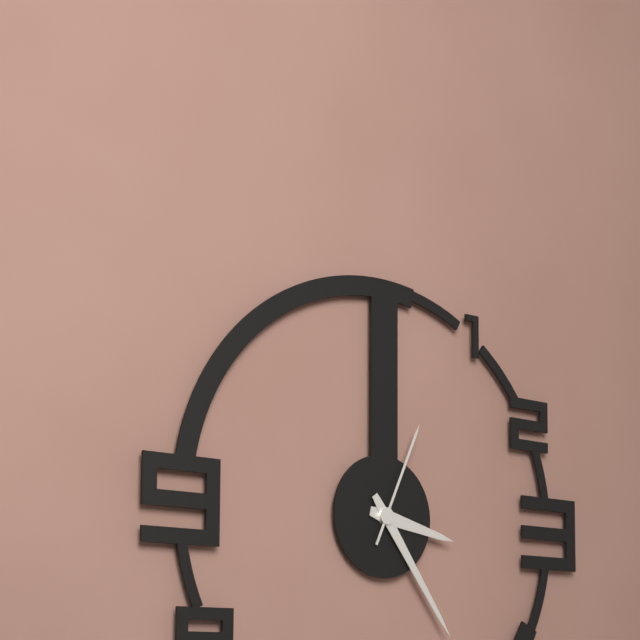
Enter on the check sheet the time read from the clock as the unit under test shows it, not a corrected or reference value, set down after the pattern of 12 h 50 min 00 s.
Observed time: 3 h 24 min 04 s
